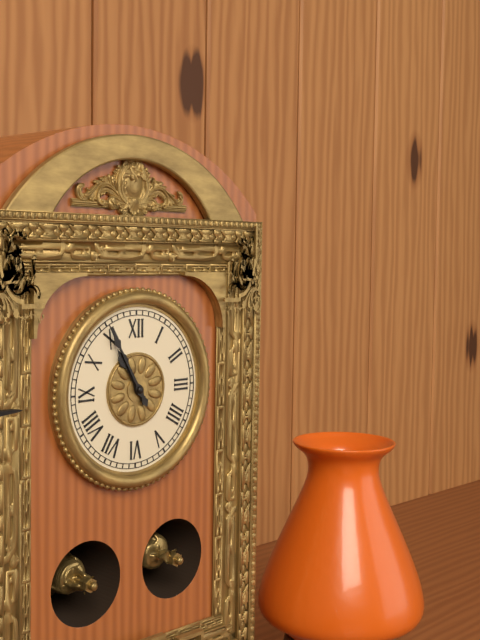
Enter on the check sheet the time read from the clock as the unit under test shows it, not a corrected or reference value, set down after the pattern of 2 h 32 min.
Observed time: 10 h 55 min
